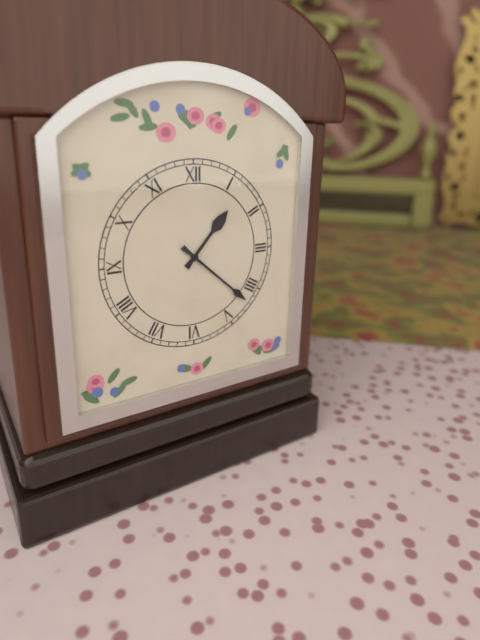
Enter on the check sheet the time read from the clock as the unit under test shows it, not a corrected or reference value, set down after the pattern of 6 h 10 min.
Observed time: 1 h 22 min
